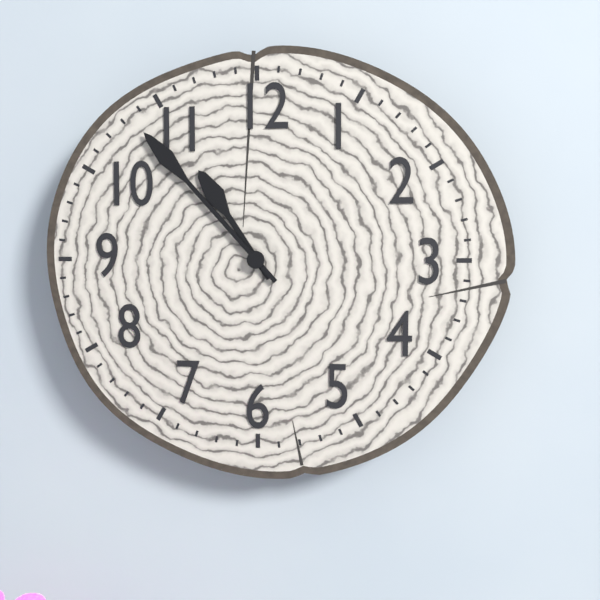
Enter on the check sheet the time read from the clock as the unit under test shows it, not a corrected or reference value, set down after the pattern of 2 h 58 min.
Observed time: 10 h 53 min
